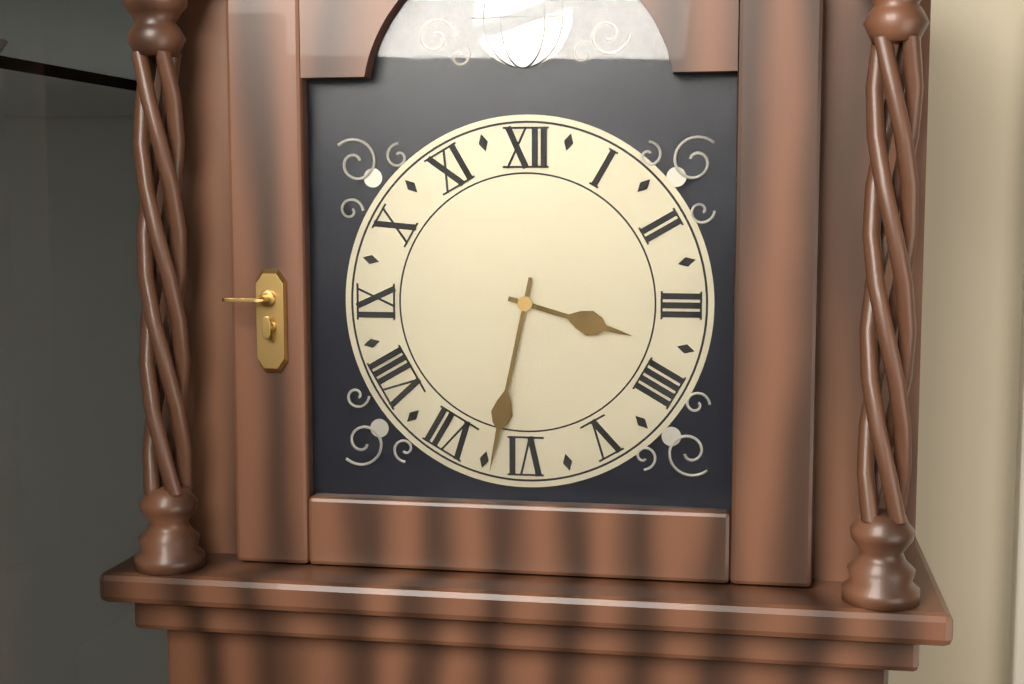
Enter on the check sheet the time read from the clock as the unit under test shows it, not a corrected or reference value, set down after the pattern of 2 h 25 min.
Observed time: 3 h 32 min
